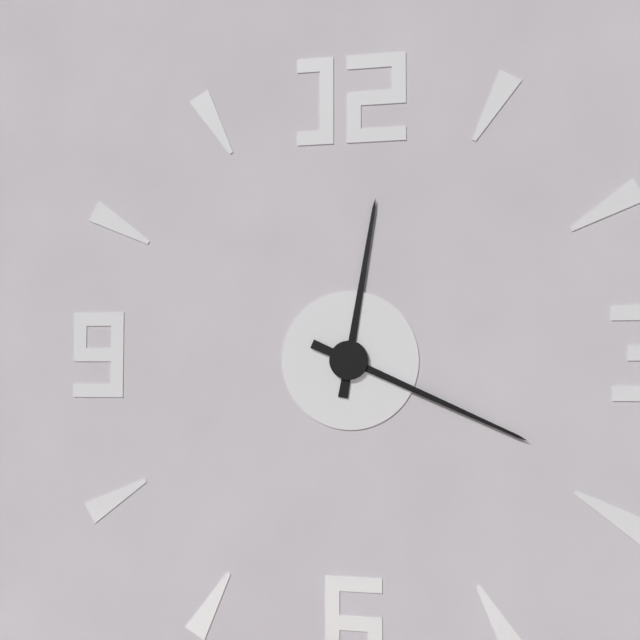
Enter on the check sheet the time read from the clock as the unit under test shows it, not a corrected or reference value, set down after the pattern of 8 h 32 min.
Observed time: 12 h 19 min
